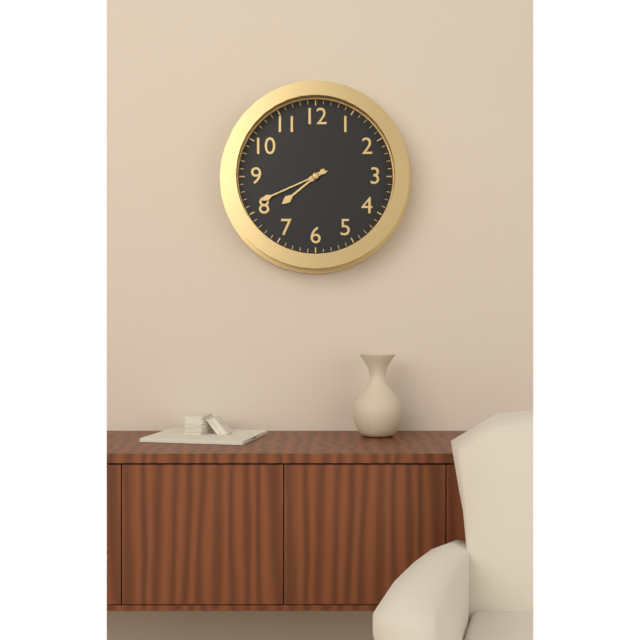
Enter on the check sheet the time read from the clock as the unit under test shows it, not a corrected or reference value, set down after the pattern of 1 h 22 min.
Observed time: 7 h 41 min
